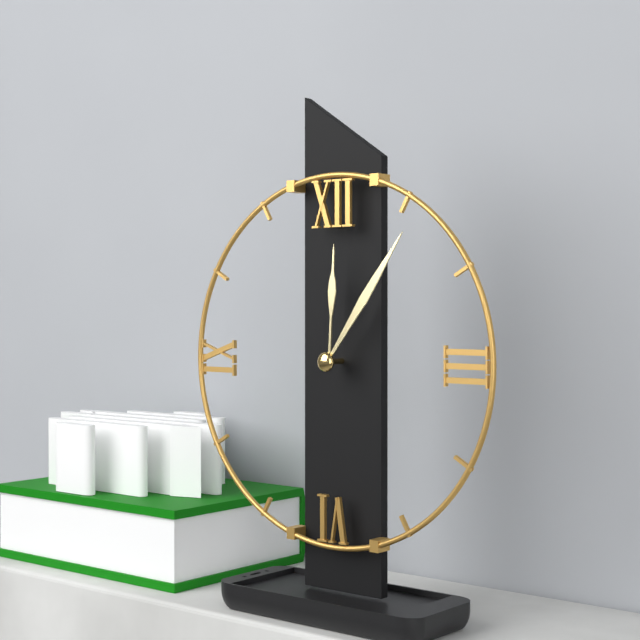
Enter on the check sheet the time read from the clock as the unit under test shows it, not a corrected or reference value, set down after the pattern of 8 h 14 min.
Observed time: 12 h 06 min
